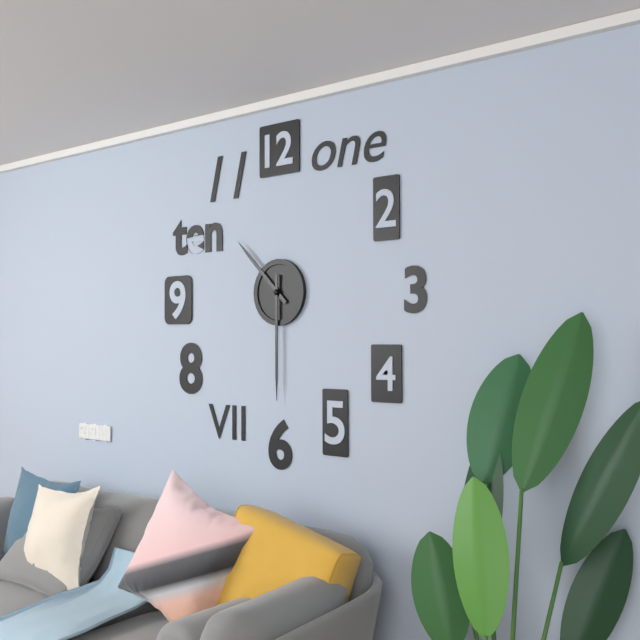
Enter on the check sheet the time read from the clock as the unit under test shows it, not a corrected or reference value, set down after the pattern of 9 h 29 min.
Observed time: 10 h 30 min
